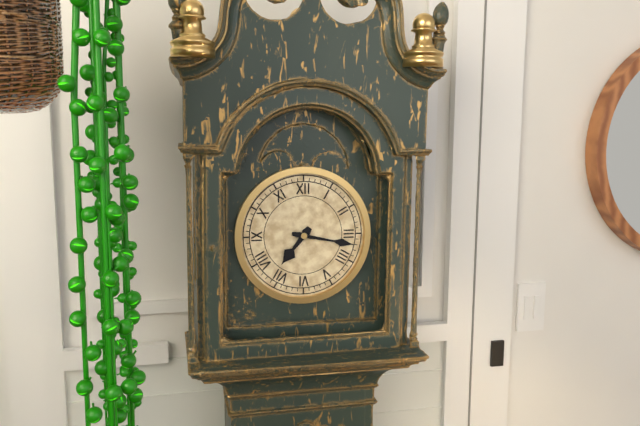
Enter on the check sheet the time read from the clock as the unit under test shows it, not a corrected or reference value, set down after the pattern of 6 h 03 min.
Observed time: 7 h 17 min
